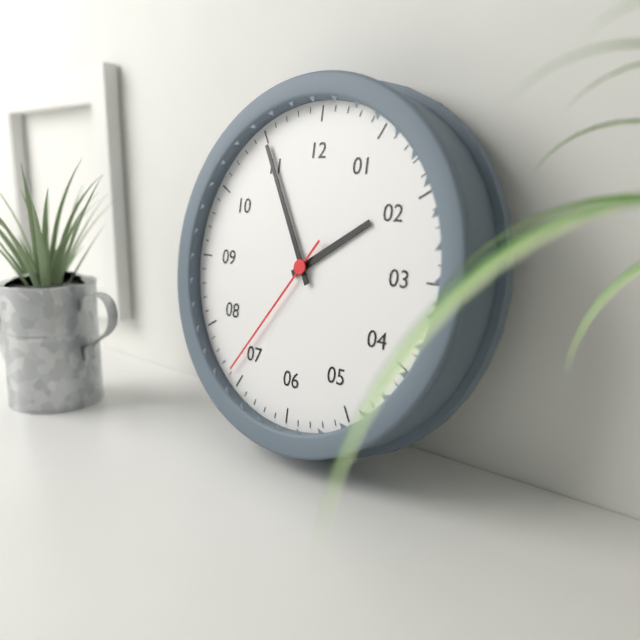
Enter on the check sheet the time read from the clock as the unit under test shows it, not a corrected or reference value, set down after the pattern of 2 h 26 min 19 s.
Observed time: 1 h 55 min 36 s
